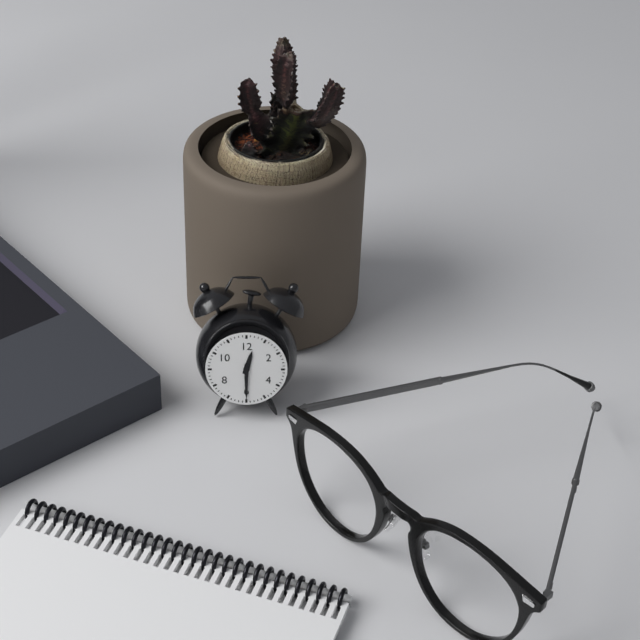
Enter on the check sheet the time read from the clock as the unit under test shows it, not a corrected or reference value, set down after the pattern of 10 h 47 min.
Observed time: 12 h 30 min
